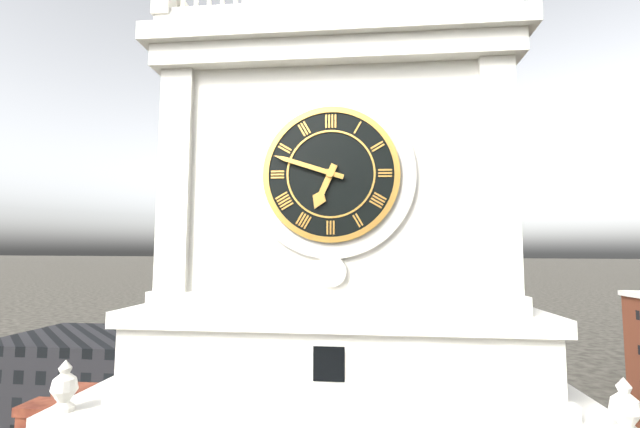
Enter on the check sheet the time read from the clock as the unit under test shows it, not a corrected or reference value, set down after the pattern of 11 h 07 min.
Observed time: 6 h 48 min
